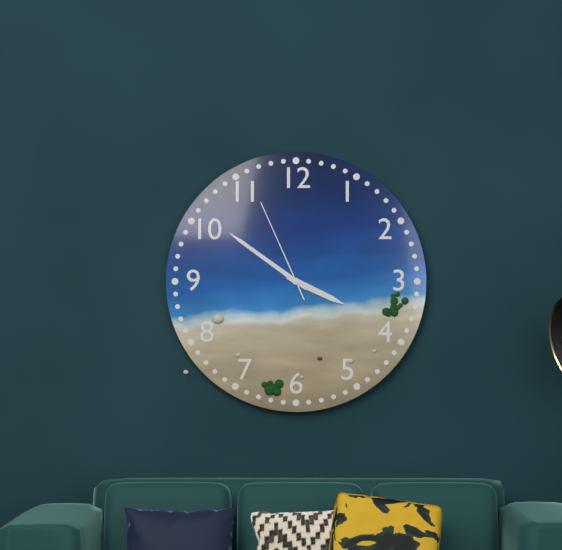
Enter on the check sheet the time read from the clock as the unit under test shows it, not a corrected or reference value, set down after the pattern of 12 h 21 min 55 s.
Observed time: 3 h 51 min 56 s
